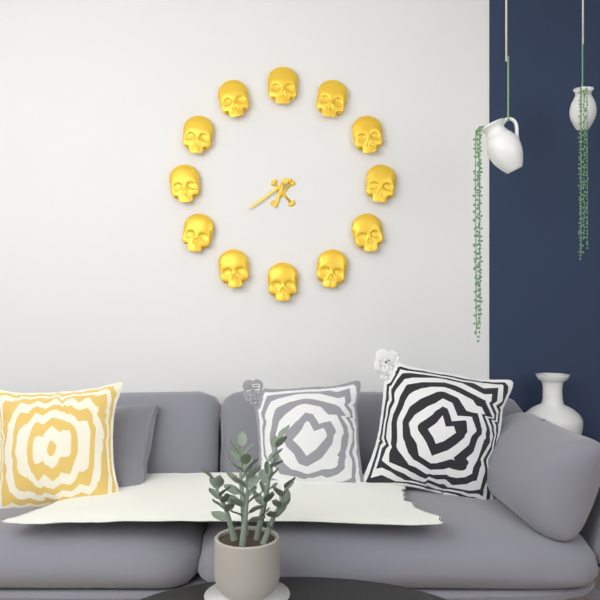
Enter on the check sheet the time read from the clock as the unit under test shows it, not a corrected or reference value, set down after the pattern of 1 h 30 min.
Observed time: 6 h 39 min
